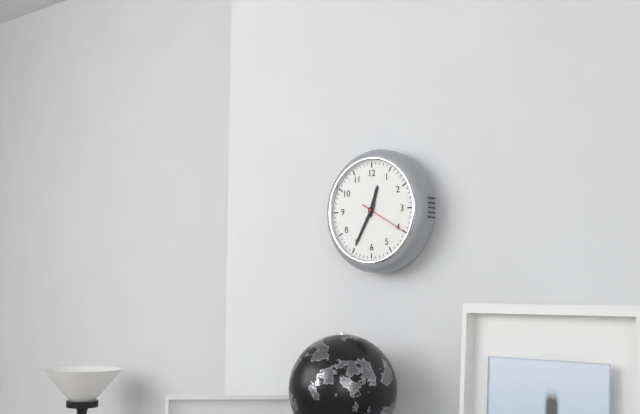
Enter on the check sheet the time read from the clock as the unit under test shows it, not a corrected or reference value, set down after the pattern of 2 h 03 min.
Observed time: 12 h 35 min
